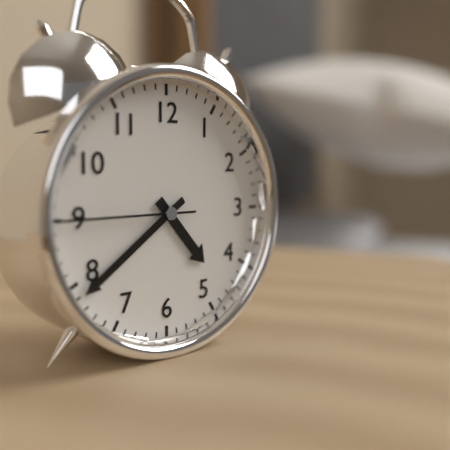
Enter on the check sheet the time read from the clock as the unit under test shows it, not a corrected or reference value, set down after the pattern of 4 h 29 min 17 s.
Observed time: 4 h 39 min 45 s
